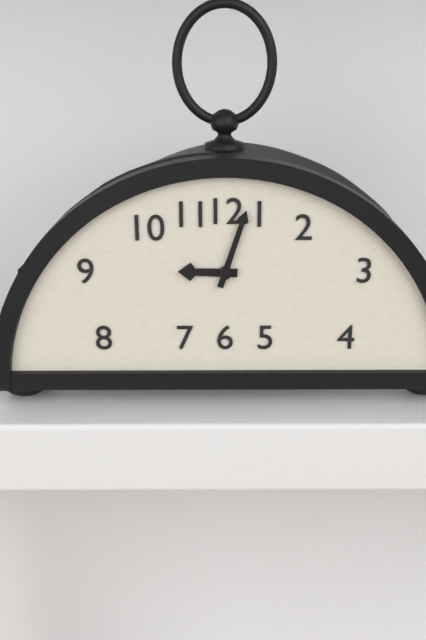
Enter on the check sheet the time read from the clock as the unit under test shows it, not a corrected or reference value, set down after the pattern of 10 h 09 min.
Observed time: 9 h 03 min
